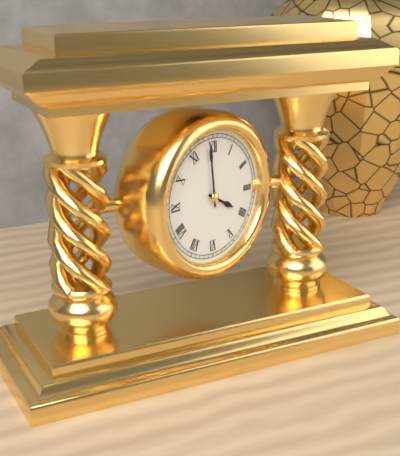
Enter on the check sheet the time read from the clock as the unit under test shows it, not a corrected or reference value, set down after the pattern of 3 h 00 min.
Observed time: 3 h 59 min
